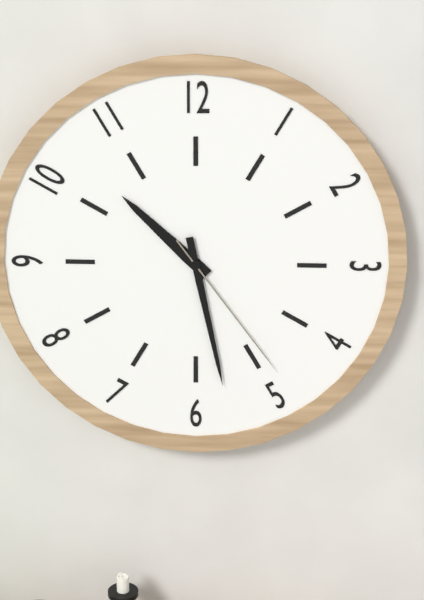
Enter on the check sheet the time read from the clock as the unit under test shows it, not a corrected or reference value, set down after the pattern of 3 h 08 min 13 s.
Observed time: 10 h 28 min 24 s
